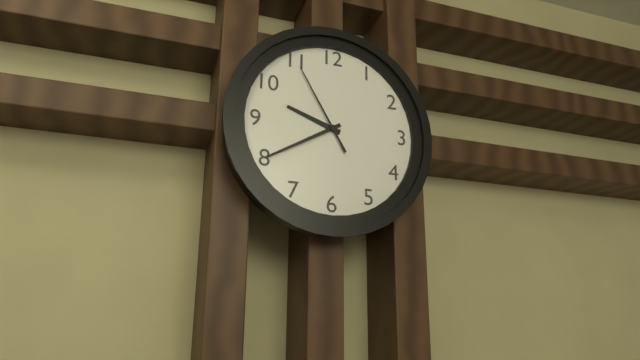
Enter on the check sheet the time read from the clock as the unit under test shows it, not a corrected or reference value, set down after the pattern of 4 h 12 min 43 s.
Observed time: 9 h 40 min 55 s
